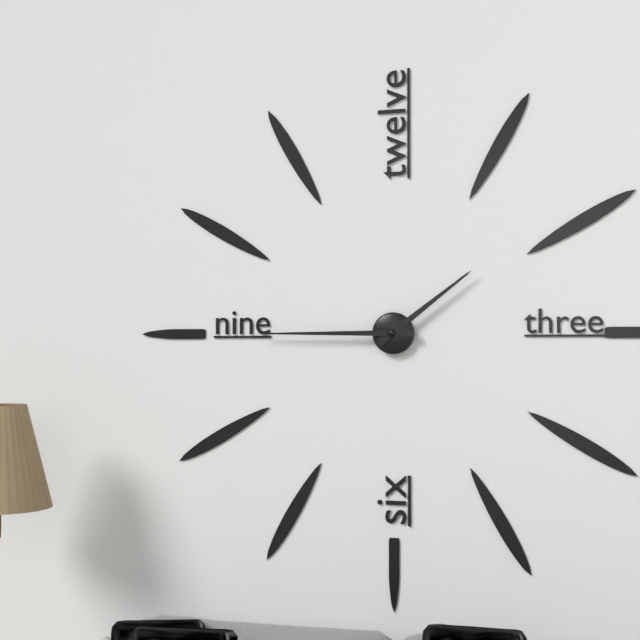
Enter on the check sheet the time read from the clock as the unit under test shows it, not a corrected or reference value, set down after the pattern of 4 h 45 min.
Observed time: 1 h 45 min
